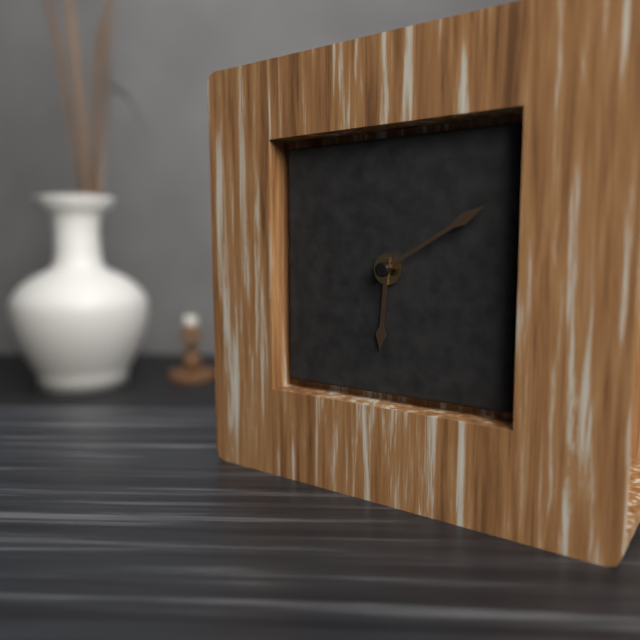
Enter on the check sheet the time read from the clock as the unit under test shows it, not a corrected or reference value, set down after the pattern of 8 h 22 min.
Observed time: 6 h 10 min
